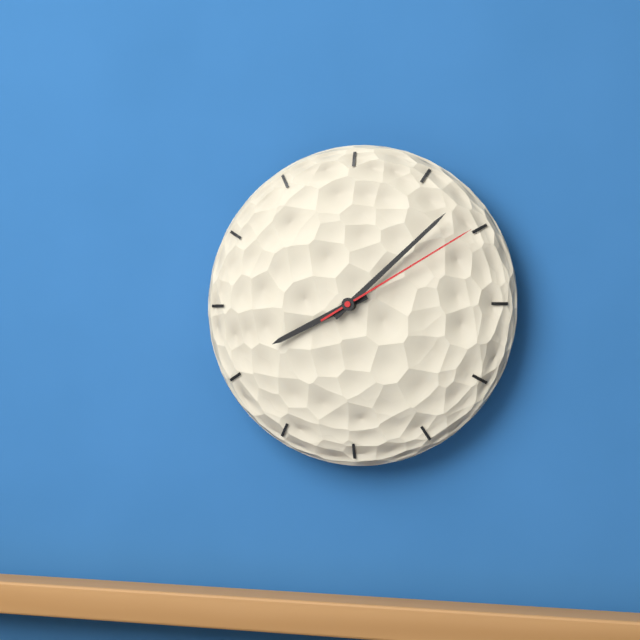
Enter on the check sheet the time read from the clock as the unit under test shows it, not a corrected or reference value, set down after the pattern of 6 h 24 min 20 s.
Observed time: 8 h 08 min 10 s
